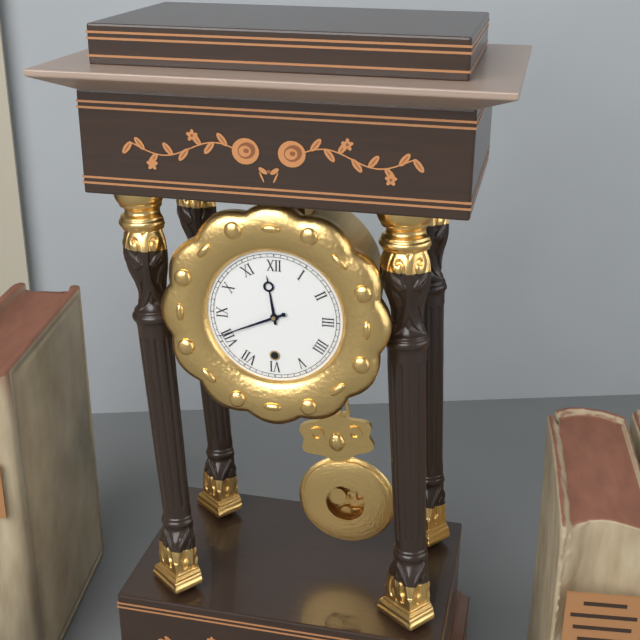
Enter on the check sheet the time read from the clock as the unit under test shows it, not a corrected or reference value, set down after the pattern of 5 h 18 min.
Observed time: 11 h 41 min
